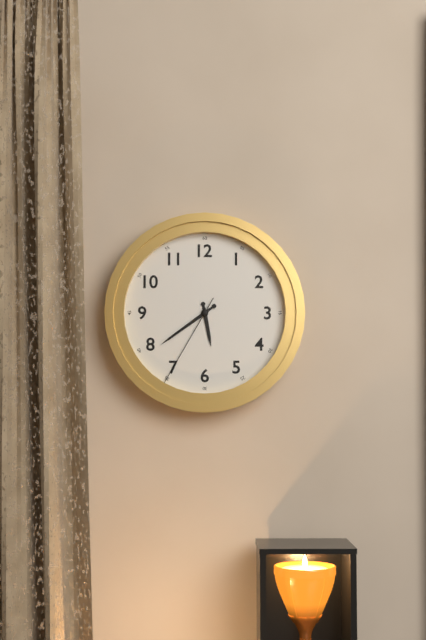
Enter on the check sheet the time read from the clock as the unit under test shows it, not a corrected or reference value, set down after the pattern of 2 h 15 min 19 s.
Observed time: 5 h 39 min 35 s
